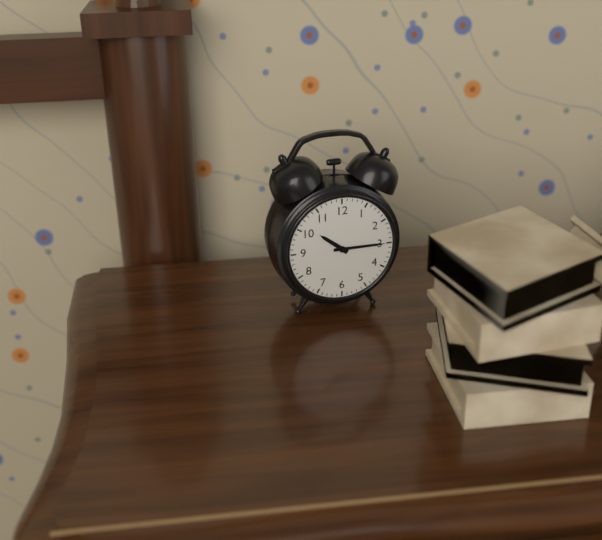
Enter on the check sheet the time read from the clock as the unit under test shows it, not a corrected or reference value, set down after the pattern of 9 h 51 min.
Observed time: 10 h 15 min
